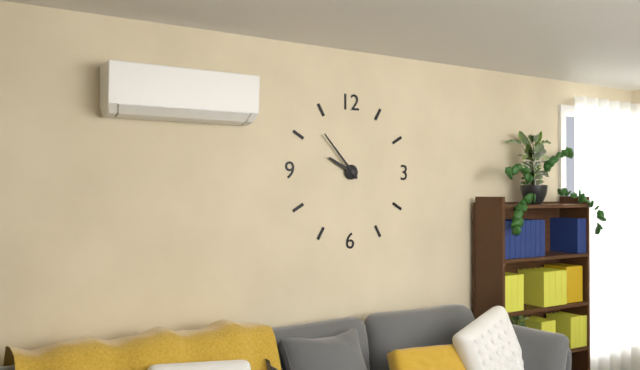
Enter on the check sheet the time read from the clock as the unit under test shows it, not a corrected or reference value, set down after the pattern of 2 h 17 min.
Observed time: 9 h 53 min
